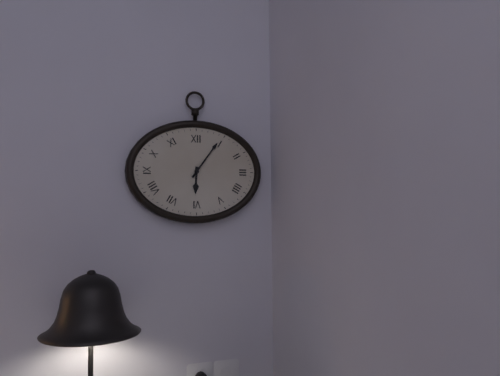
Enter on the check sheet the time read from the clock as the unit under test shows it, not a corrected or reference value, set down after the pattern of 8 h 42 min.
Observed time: 6 h 06 min
